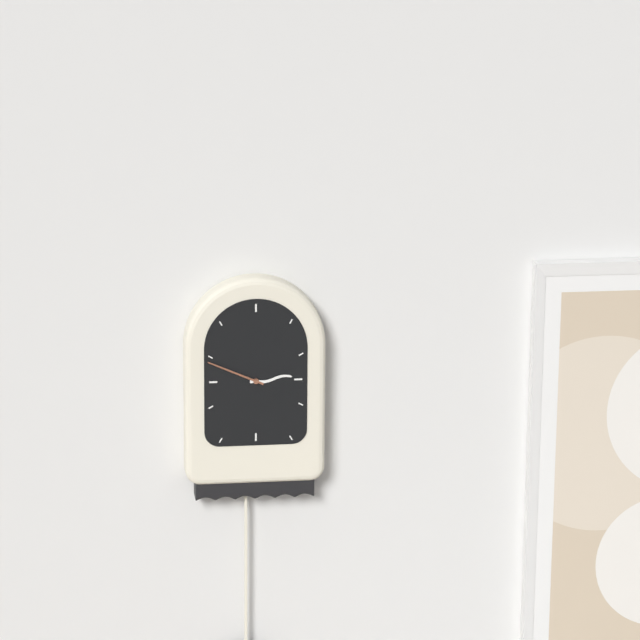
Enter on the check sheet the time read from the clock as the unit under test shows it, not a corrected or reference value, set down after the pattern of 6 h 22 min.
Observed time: 2 h 49 min
